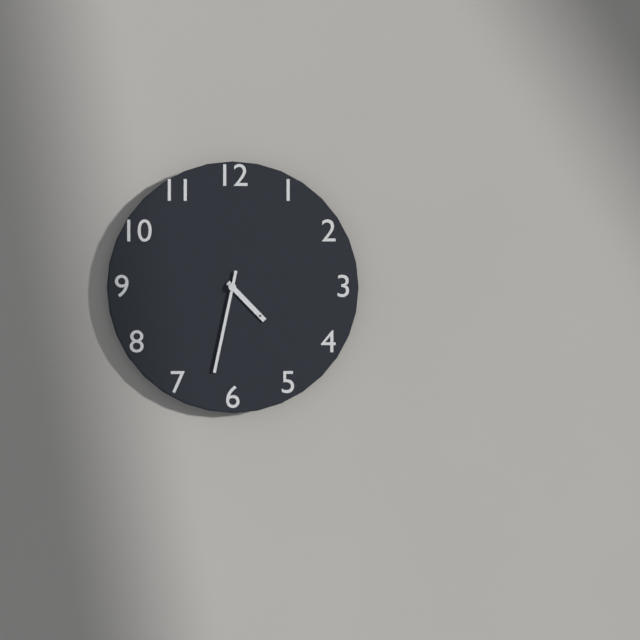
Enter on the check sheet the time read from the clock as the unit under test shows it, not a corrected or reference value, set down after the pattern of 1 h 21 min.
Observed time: 4 h 32 min
